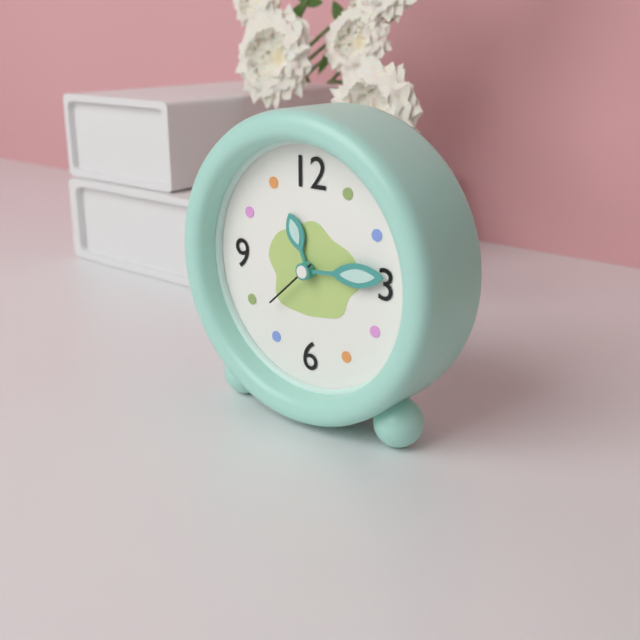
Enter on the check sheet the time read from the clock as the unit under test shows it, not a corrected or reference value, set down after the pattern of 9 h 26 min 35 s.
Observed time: 11 h 14 min 38 s
